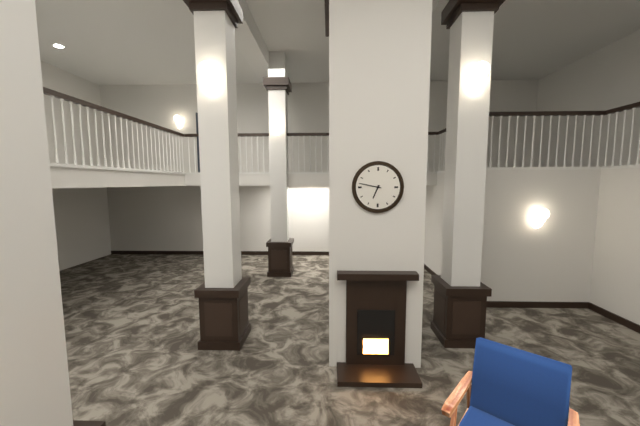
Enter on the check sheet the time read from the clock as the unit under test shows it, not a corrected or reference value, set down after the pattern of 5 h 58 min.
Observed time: 6 h 47 min
